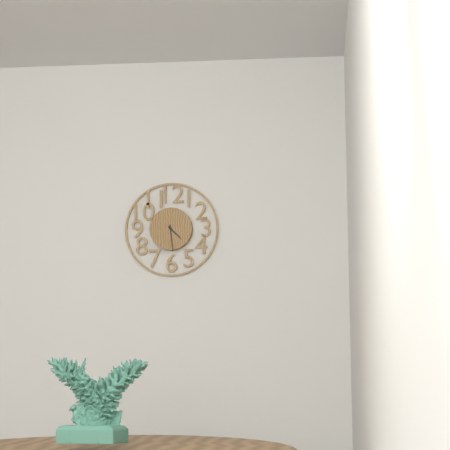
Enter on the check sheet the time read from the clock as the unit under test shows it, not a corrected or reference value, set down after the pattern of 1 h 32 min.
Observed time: 4 h 29 min
